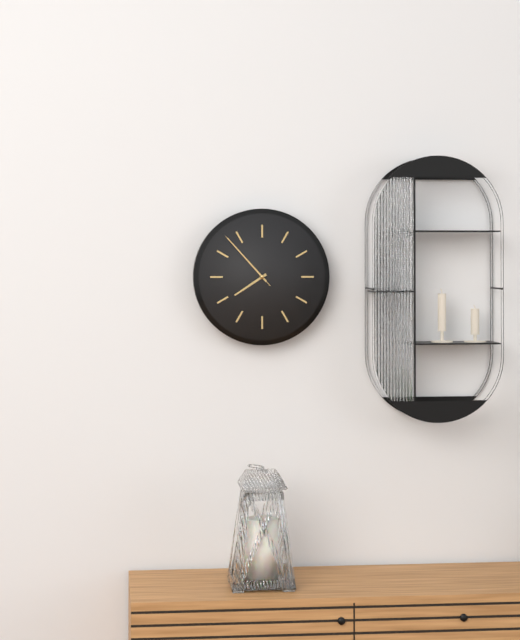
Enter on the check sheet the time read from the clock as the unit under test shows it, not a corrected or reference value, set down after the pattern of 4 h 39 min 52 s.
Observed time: 7 h 53 min 53 s
